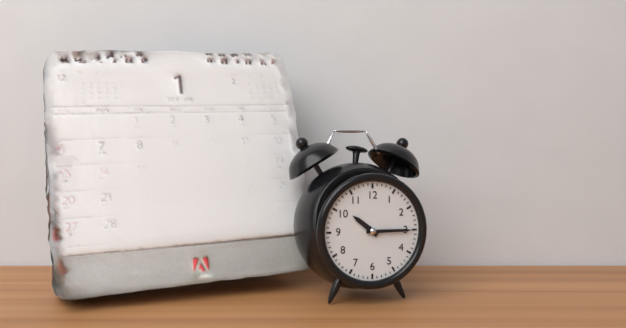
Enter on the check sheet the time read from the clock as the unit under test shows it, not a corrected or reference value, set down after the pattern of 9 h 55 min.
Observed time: 10 h 15 min
